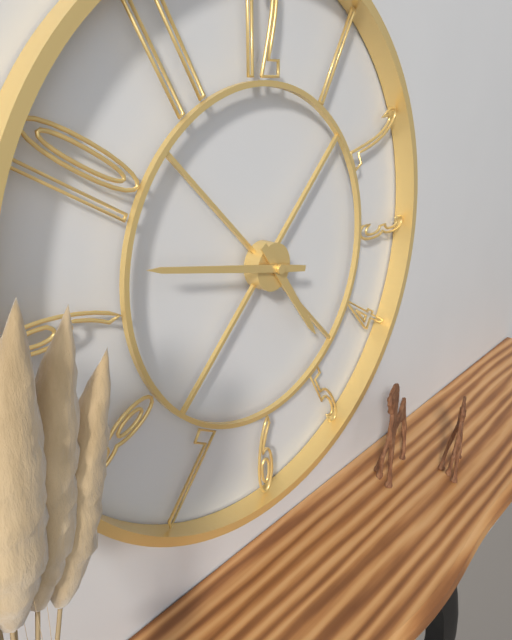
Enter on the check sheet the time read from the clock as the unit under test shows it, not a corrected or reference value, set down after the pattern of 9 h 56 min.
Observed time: 4 h 47 min
